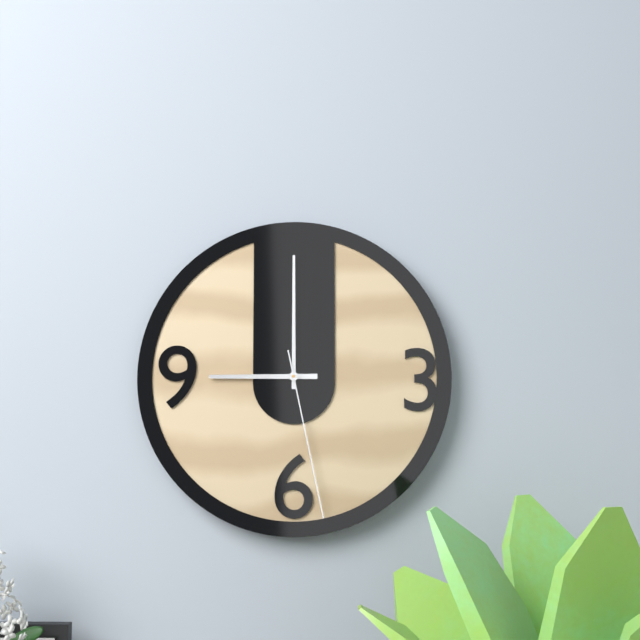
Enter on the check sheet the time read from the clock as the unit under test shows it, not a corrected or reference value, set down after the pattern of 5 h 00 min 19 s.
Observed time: 9 h 00 min 28 s
